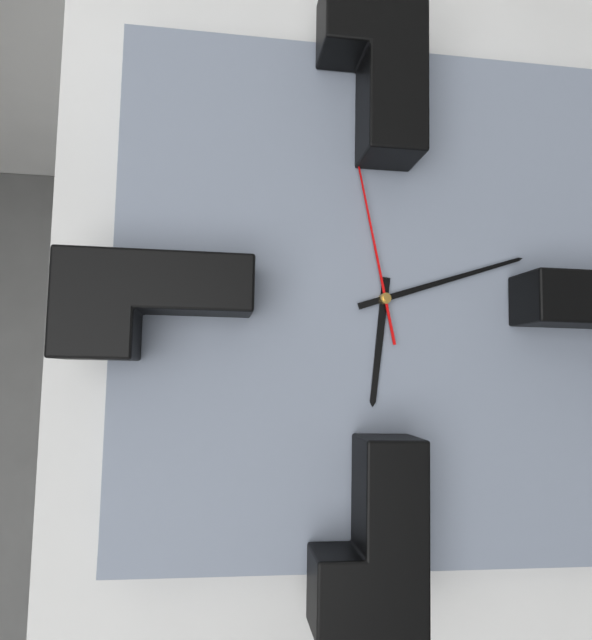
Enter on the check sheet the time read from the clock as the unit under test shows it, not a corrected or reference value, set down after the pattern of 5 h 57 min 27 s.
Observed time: 6 h 12 min 58 s
